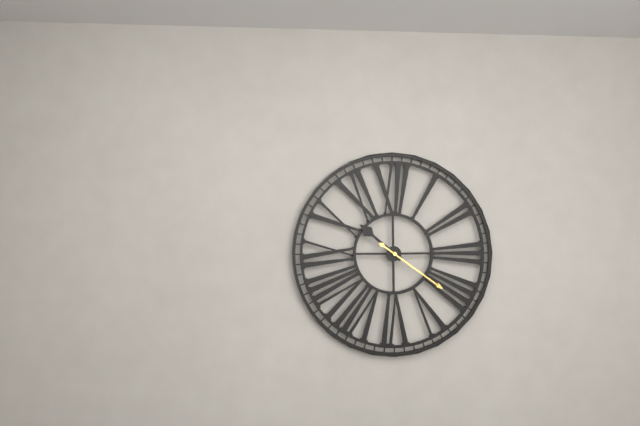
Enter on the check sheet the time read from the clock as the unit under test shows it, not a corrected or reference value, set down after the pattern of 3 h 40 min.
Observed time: 10 h 21 min
